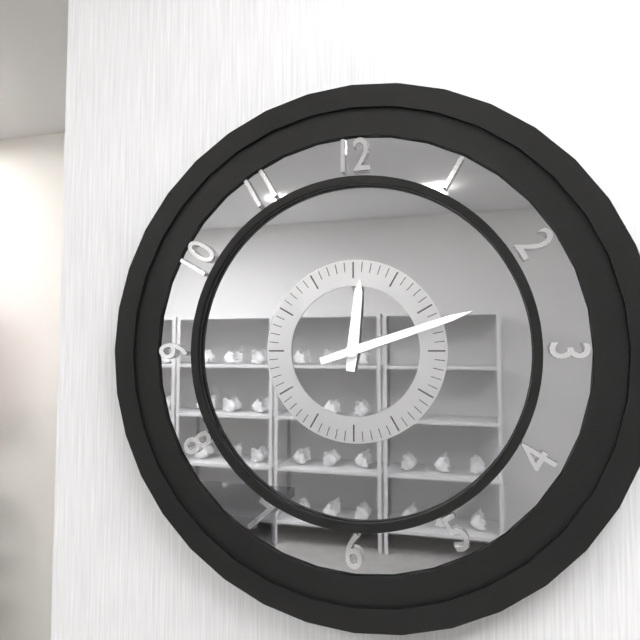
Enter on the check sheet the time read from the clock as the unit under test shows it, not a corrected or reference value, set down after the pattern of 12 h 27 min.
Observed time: 12 h 12 min
